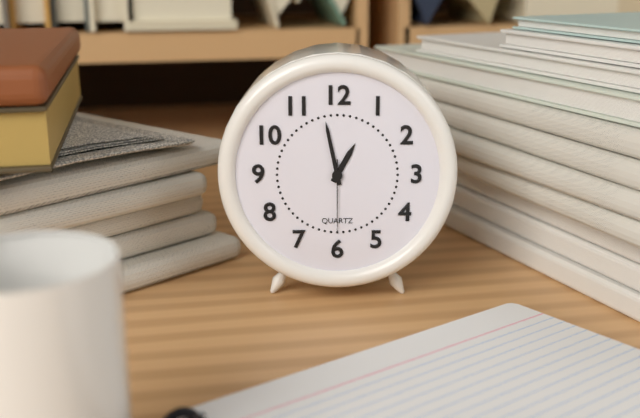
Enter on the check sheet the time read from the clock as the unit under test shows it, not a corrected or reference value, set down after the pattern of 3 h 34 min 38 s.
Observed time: 12 h 58 min 30 s
